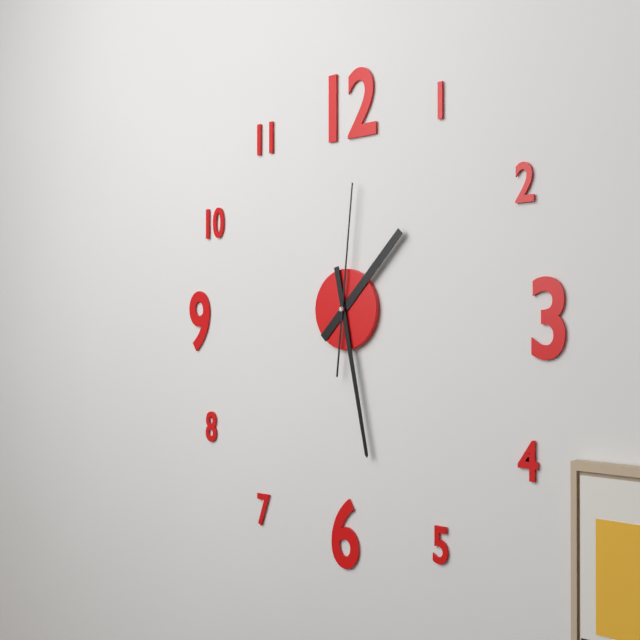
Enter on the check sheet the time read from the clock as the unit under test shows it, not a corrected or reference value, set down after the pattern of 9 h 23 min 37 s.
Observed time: 1 h 28 min 01 s
